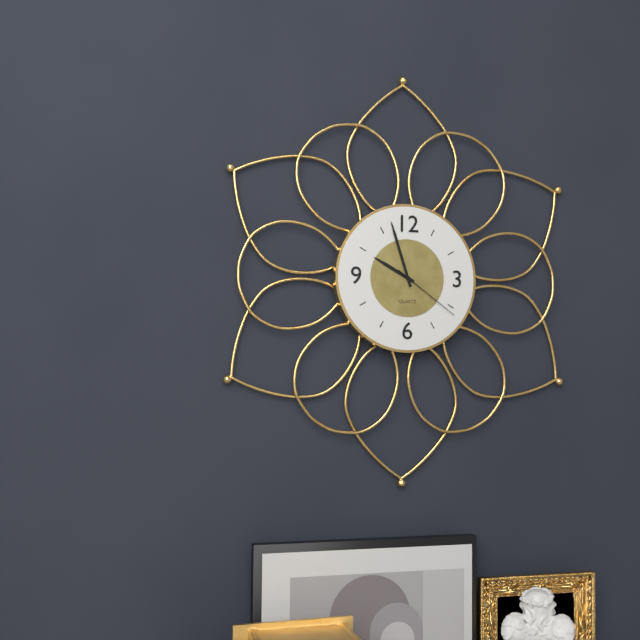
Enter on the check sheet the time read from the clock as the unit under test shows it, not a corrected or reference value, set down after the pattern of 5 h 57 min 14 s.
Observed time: 9 h 57 min 21 s
